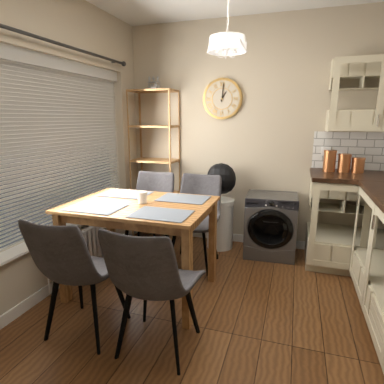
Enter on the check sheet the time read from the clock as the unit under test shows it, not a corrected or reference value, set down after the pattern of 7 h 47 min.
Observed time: 1 h 01 min
